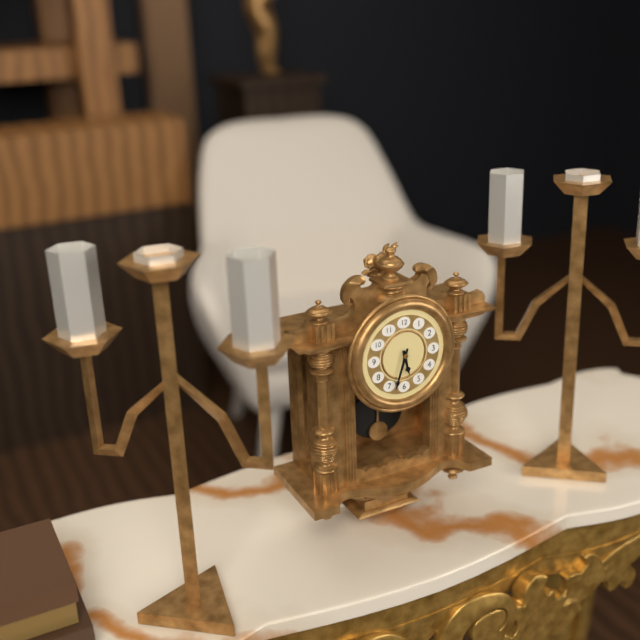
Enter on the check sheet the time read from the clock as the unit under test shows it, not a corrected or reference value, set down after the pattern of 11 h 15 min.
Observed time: 5 h 33 min
